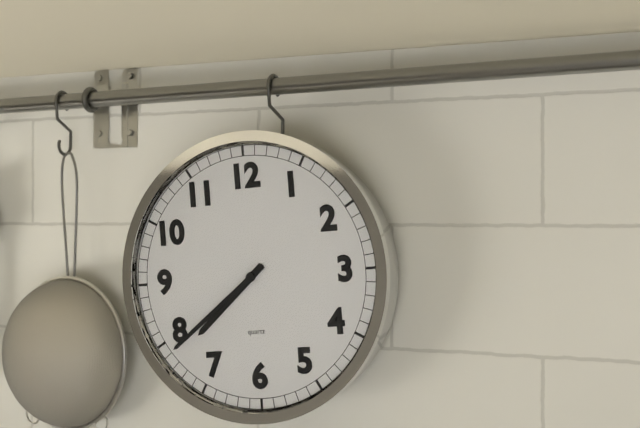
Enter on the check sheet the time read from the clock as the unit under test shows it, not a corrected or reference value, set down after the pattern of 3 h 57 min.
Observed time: 7 h 39 min
